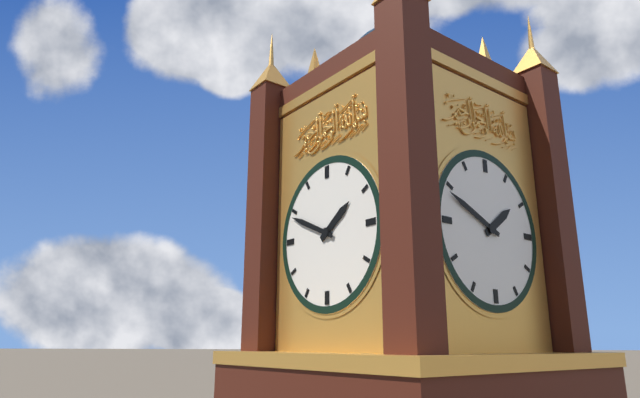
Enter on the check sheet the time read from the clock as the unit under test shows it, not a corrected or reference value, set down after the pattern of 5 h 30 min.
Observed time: 1 h 49 min
